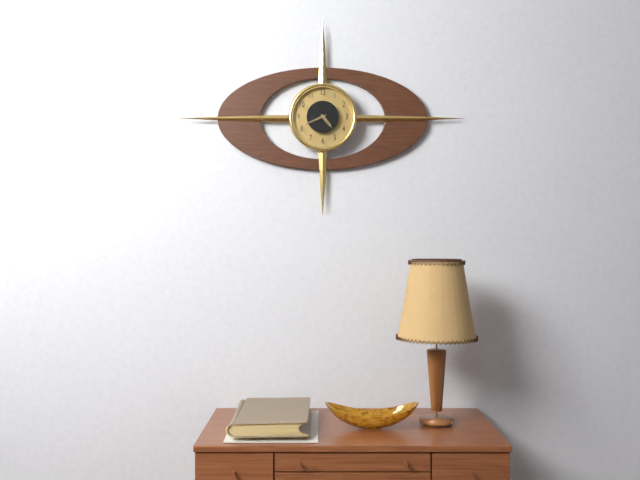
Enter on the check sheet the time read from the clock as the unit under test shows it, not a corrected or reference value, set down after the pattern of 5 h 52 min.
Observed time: 4 h 41 min
